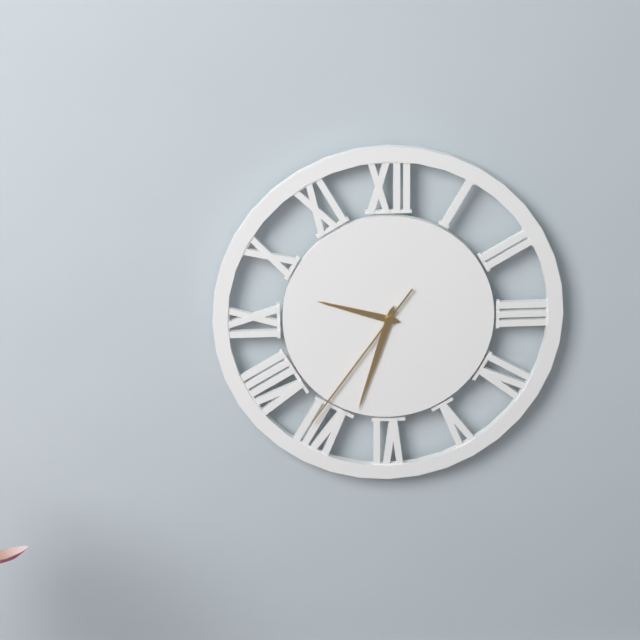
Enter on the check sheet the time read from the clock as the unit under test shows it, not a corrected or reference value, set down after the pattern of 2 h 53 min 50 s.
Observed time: 9 h 33 min 36 s
